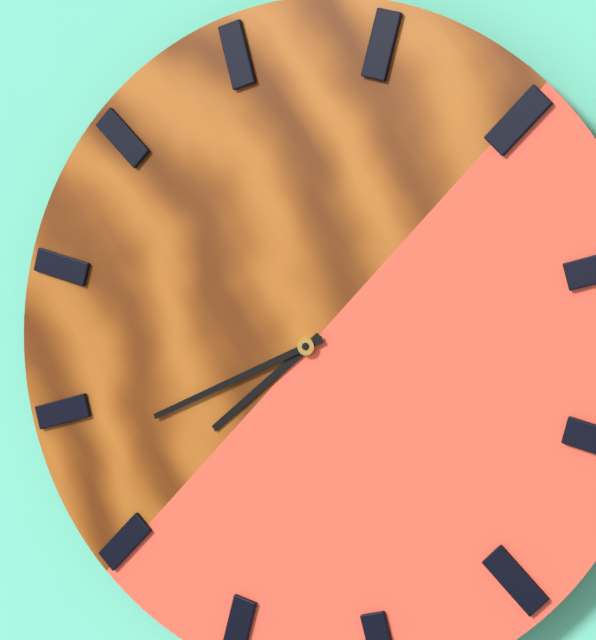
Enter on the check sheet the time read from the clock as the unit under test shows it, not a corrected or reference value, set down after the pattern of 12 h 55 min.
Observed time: 7 h 41 min
